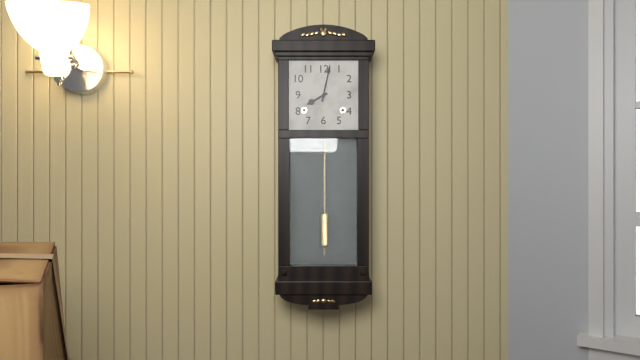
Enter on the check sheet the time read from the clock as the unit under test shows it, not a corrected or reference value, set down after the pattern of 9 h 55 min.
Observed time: 8 h 02 min
